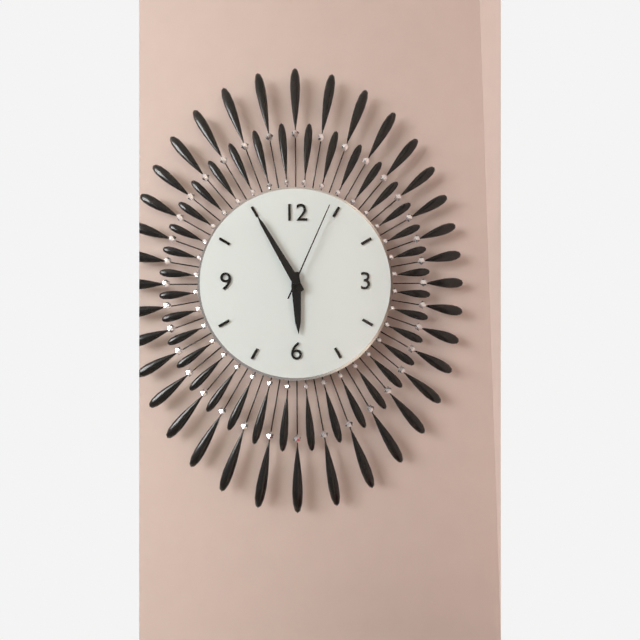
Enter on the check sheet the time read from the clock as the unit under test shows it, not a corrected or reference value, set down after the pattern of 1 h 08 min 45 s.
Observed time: 5 h 55 min 04 s
